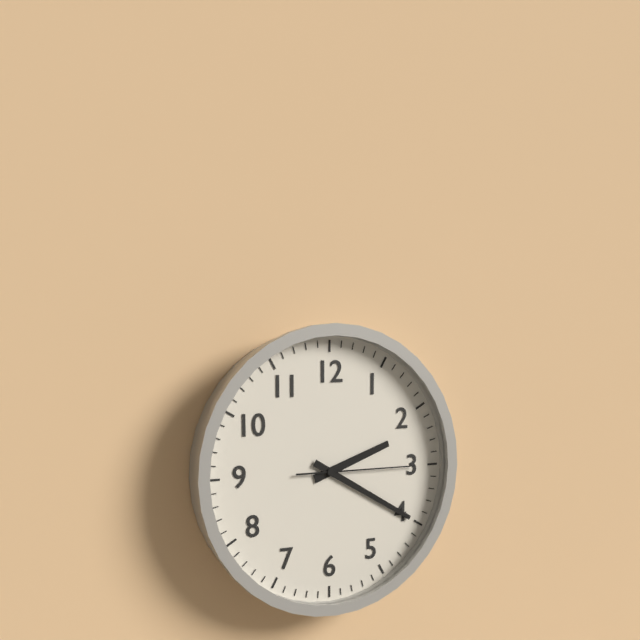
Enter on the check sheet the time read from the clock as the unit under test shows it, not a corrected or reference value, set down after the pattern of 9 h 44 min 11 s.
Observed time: 2 h 20 min 15 s
